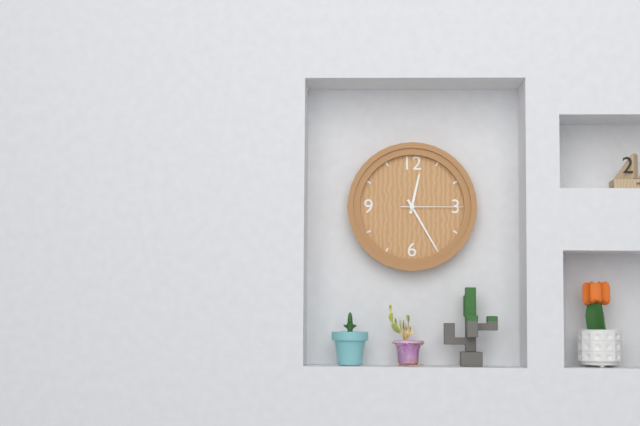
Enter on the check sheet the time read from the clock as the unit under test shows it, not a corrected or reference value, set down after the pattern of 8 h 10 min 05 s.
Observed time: 12 h 25 min 15 s
